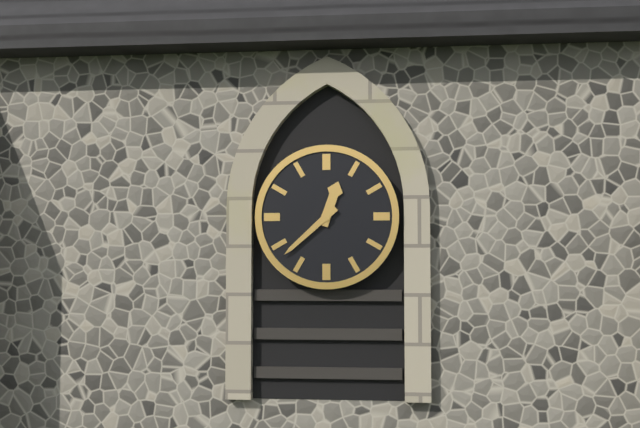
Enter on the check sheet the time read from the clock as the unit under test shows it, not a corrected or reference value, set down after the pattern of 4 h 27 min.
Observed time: 12 h 38 min
